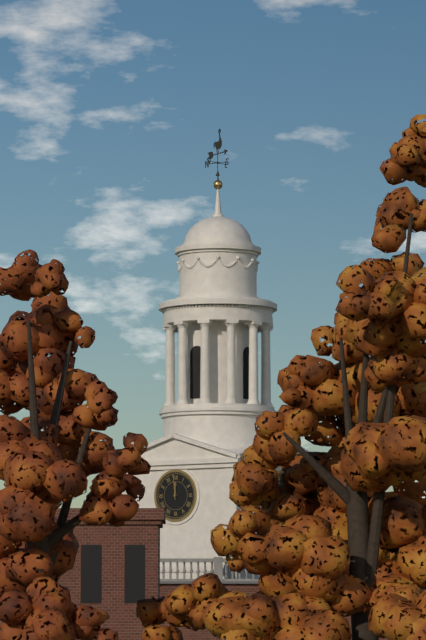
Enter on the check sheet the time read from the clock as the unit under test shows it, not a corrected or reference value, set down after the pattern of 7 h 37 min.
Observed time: 11 h 59 min
